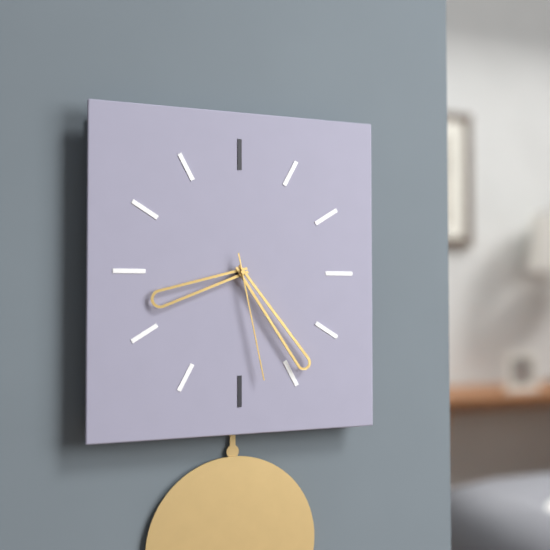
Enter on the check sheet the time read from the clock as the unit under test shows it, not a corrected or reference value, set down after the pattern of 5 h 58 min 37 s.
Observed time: 8 h 24 min 28 s
